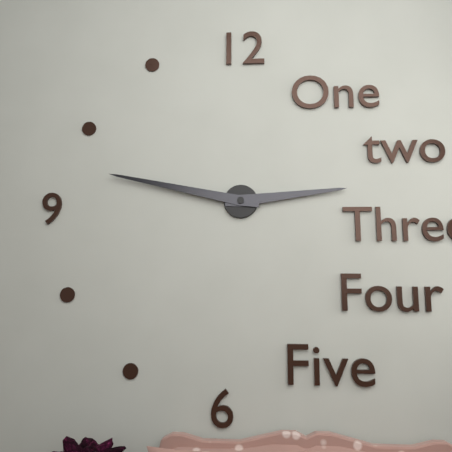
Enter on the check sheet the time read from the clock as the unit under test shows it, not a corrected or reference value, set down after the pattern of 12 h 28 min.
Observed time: 2 h 47 min
